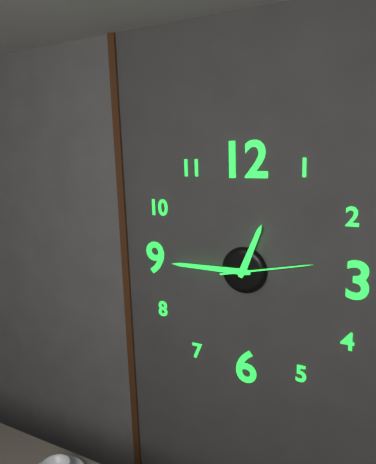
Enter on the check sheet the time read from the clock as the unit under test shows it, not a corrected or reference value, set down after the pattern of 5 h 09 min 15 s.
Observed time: 12 h 45 min 13 s
